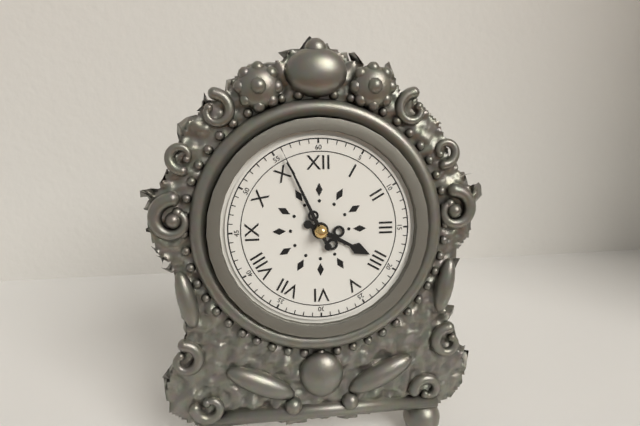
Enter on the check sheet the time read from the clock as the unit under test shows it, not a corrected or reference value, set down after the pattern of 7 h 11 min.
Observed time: 3 h 56 min
